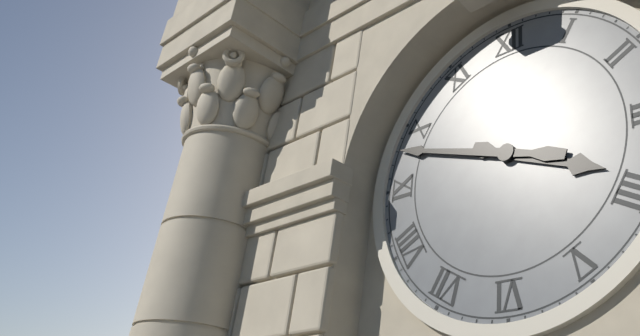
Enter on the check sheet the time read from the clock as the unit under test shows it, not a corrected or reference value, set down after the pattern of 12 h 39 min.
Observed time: 3 h 48 min
